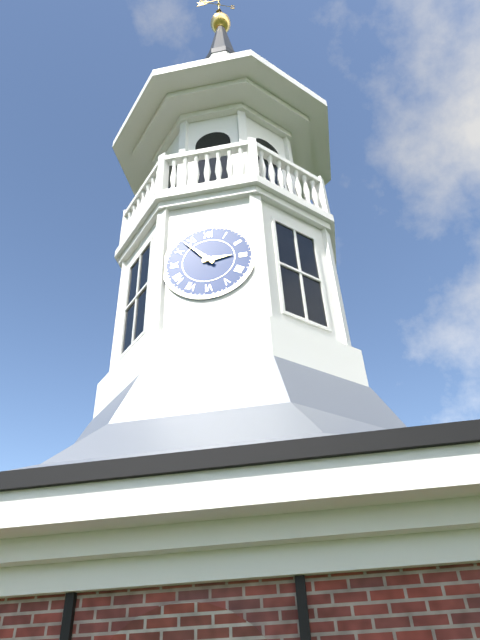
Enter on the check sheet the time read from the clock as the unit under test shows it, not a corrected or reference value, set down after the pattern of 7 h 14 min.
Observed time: 2 h 53 min
